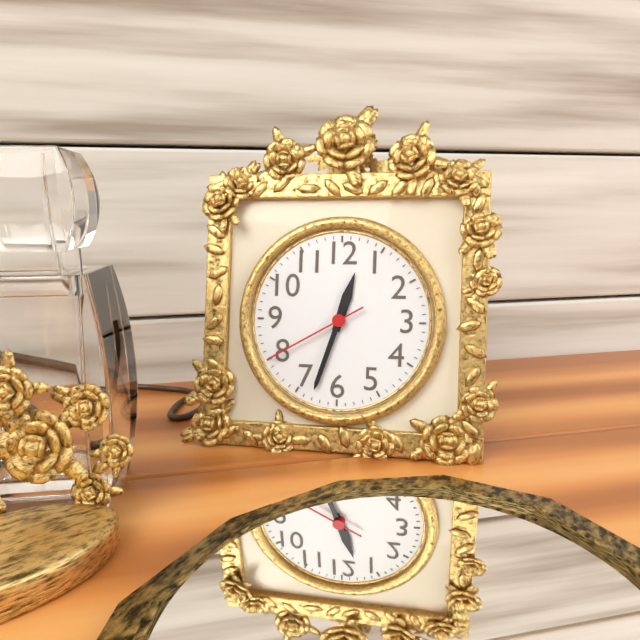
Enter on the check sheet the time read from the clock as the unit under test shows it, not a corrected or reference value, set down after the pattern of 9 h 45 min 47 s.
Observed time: 12 h 33 min 40 s
